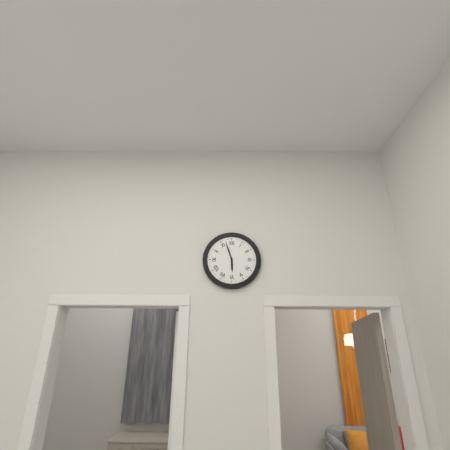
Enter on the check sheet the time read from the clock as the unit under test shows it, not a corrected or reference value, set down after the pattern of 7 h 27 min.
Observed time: 5 h 57 min
